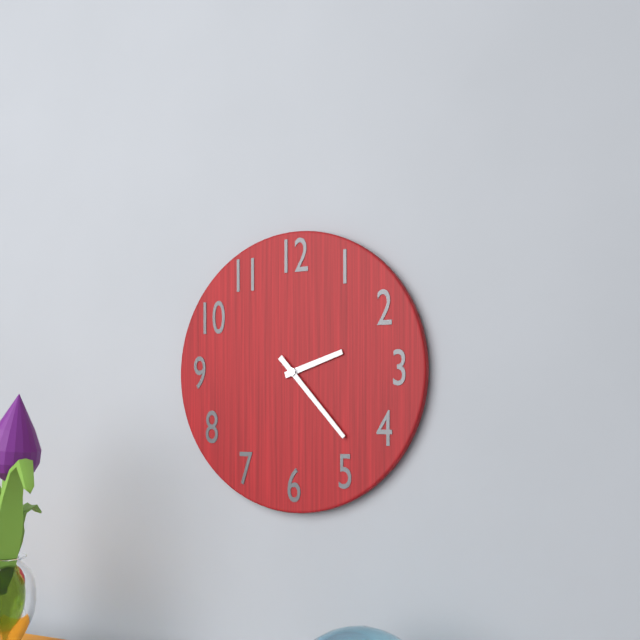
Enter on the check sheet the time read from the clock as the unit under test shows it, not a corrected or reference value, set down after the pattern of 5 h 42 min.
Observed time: 2 h 23 min
